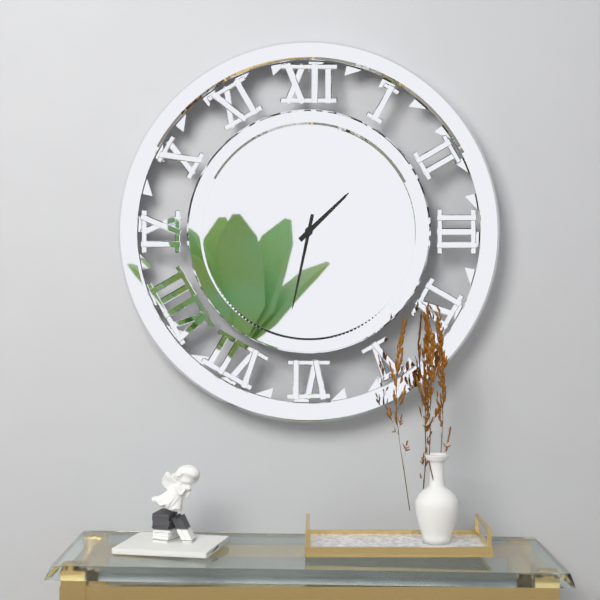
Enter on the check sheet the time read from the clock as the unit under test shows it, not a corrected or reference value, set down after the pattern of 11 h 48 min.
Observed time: 1 h 32 min
